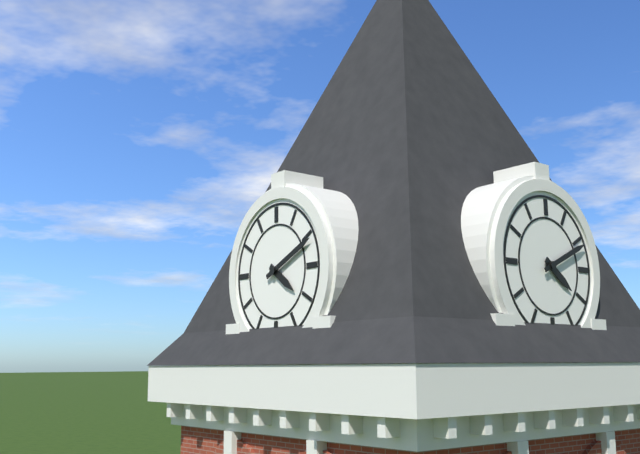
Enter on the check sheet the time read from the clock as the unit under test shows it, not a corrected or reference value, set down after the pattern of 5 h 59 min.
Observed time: 4 h 11 min
